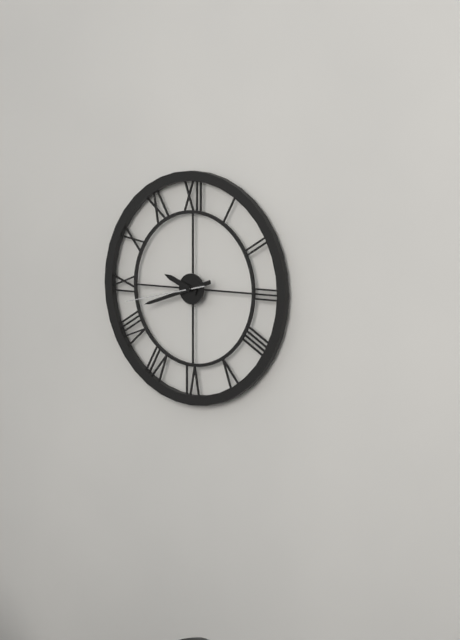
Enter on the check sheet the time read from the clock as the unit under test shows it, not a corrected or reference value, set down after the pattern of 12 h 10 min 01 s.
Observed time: 9 h 42 min 43 s
